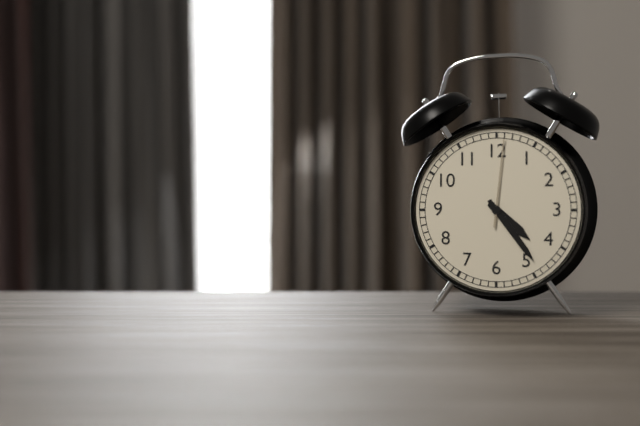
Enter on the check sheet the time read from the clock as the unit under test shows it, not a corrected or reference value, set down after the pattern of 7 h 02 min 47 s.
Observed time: 4 h 24 min 01 s
